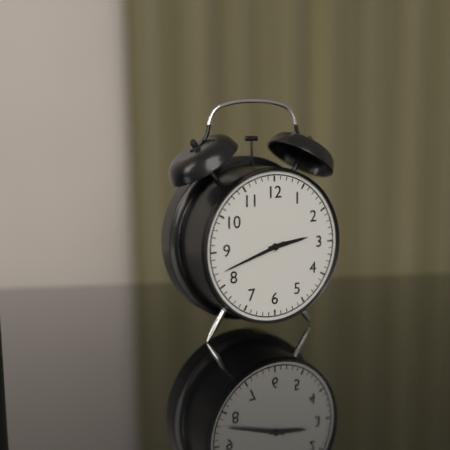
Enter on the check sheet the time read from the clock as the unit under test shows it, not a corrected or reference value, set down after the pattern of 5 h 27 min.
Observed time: 2 h 42 min
